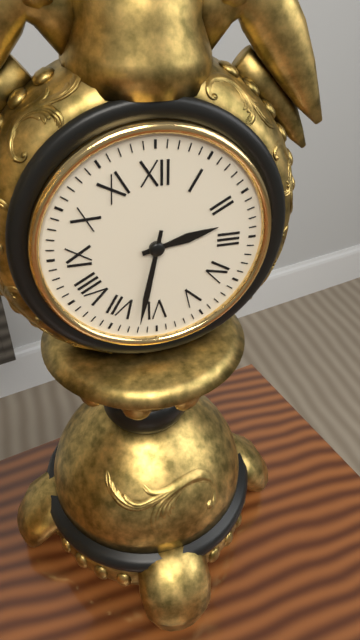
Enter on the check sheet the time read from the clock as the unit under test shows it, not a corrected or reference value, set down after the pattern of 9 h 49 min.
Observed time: 2 h 32 min
